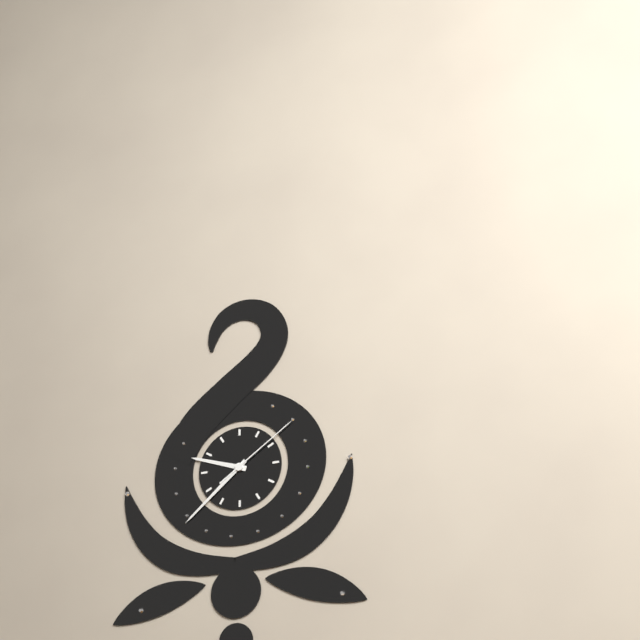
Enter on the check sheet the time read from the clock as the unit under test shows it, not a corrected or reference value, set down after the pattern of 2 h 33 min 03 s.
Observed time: 9 h 38 min 09 s
